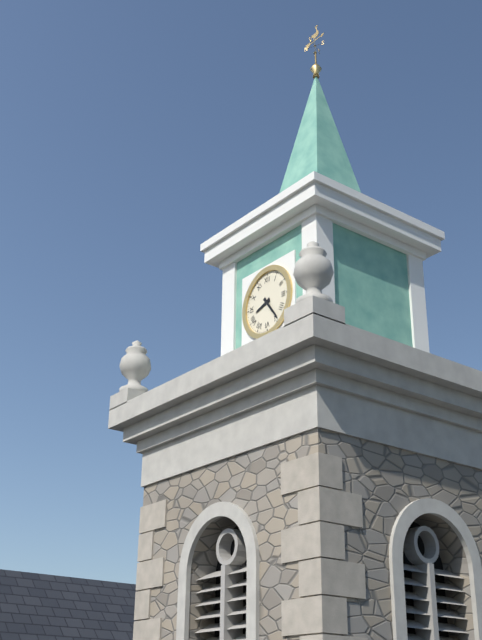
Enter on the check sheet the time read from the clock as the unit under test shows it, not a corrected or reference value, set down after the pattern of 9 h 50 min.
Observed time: 8 h 24 min
